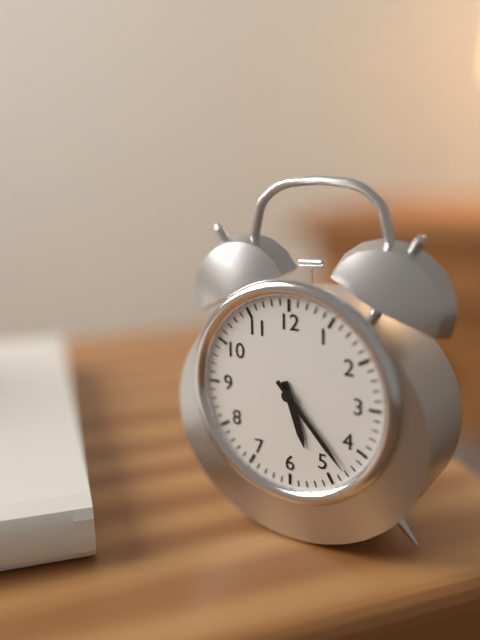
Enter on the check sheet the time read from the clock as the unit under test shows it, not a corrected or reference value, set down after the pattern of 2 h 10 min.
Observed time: 5 h 23 min
